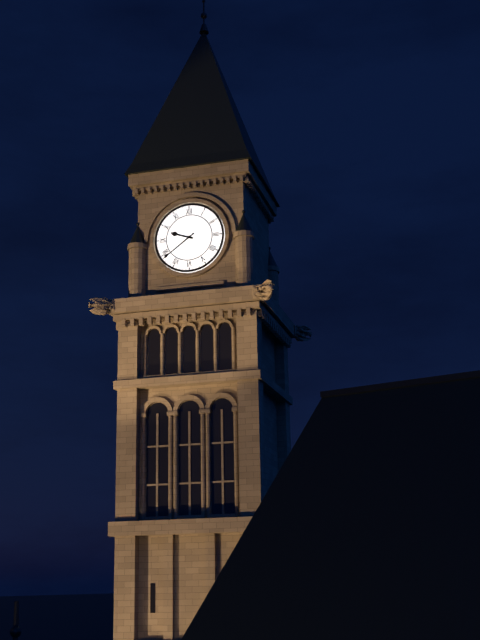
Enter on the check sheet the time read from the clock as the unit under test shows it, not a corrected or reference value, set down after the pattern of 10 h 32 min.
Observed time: 9 h 39 min
